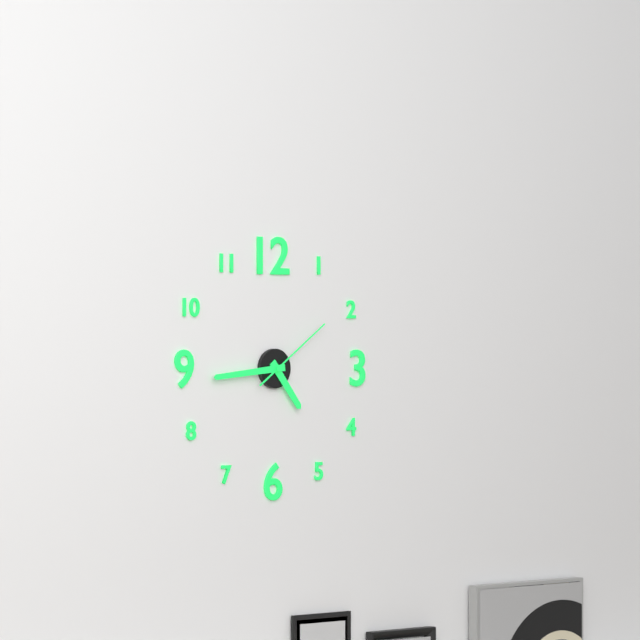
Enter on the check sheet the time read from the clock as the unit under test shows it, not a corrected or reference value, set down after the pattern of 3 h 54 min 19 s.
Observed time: 4 h 44 min 09 s
